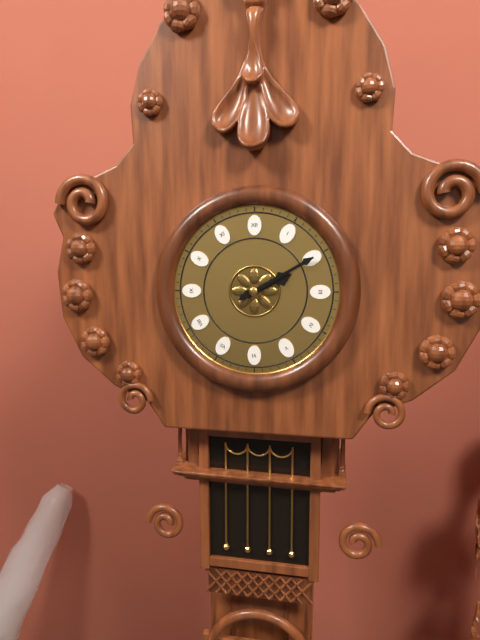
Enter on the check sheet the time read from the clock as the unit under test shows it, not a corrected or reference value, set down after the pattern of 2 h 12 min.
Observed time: 2 h 10 min
